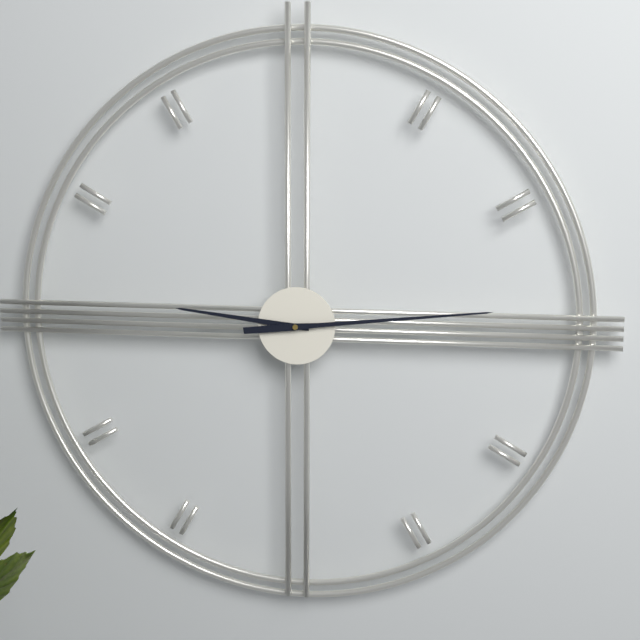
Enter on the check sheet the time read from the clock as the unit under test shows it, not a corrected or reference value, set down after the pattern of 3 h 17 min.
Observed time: 9 h 14 min
